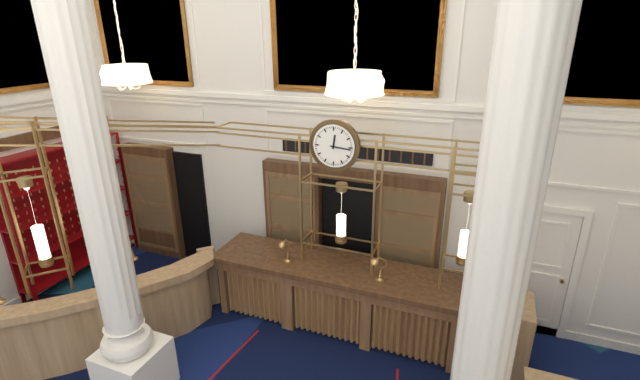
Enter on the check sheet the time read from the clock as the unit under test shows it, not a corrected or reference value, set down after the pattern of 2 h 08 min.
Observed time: 12 h 16 min
